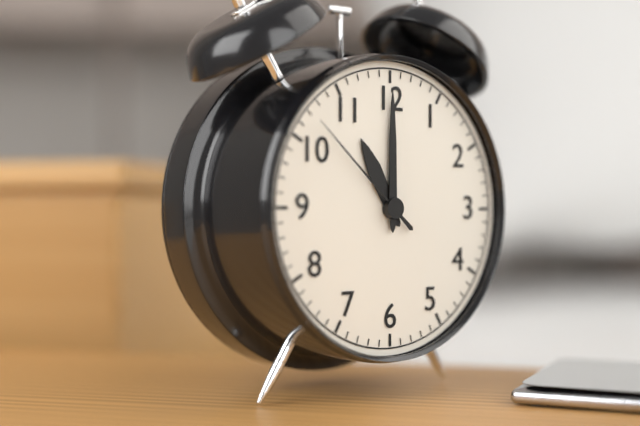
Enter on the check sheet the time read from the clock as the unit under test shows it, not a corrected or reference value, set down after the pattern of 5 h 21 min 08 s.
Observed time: 11 h 00 min 52 s
